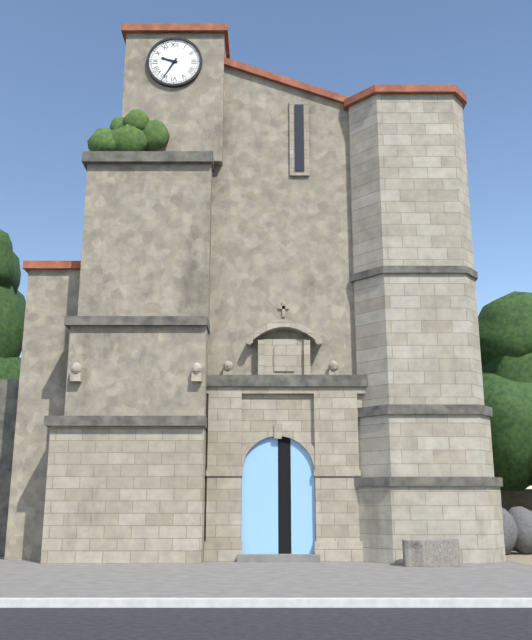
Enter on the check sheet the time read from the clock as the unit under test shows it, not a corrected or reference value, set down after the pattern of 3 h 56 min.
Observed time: 9 h 35 min
